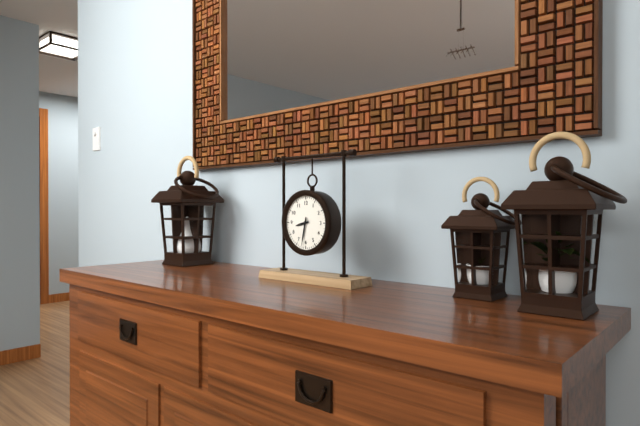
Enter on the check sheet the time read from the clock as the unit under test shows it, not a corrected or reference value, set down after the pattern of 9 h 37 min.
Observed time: 8 h 32 min
